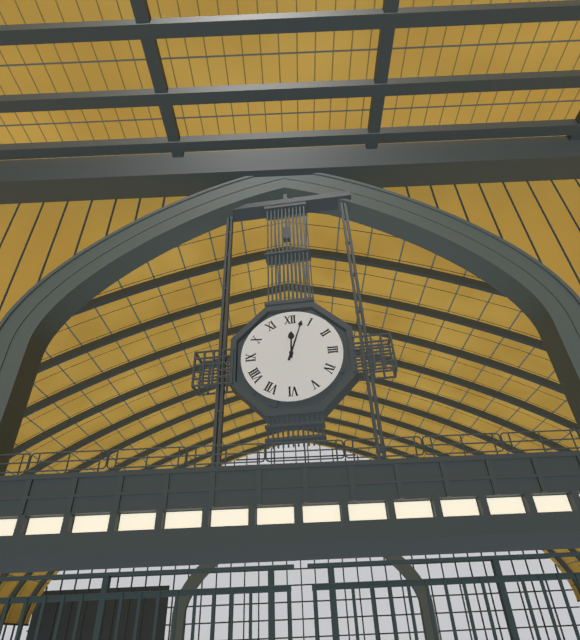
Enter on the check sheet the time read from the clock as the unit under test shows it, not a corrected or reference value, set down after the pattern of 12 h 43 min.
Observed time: 12 h 03 min
